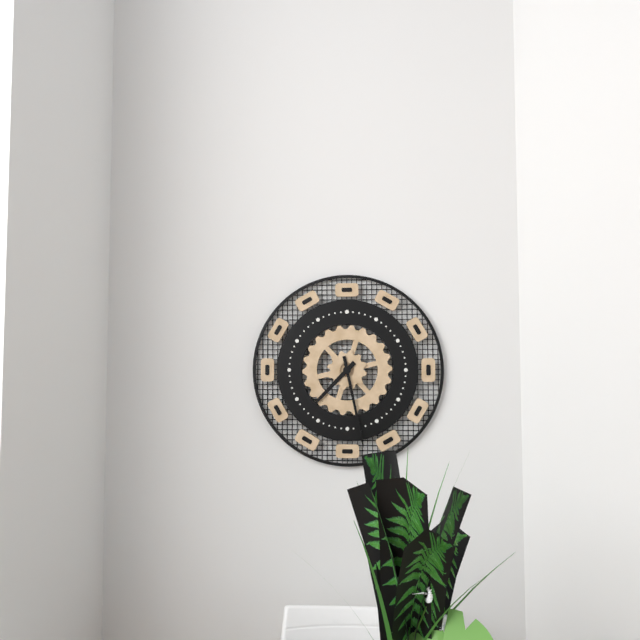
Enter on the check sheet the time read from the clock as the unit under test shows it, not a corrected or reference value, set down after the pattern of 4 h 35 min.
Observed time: 7 h 28 min
